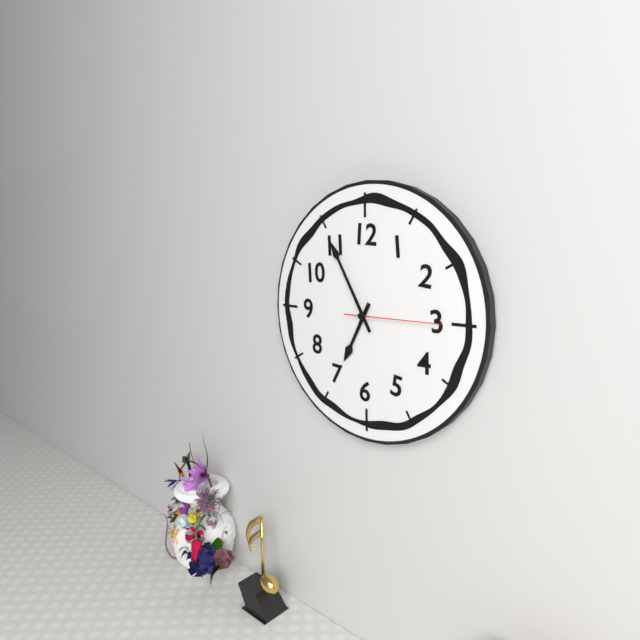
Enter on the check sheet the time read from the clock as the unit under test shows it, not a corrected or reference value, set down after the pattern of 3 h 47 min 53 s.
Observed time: 6 h 55 min 15 s
